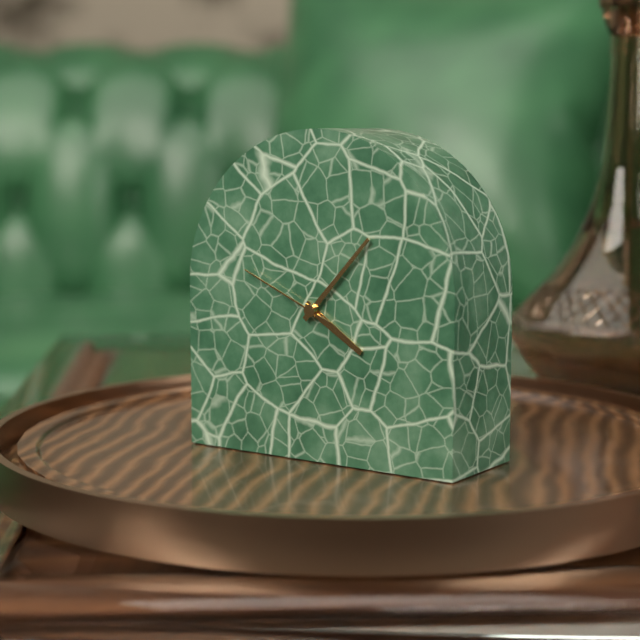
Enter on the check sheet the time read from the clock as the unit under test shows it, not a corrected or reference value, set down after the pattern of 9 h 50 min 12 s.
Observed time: 4 h 07 min 49 s
